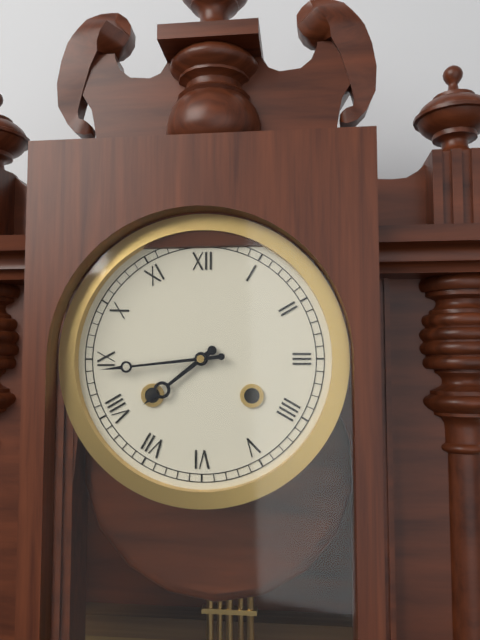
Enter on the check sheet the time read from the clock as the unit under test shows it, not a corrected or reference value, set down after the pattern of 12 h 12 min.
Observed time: 7 h 44 min
